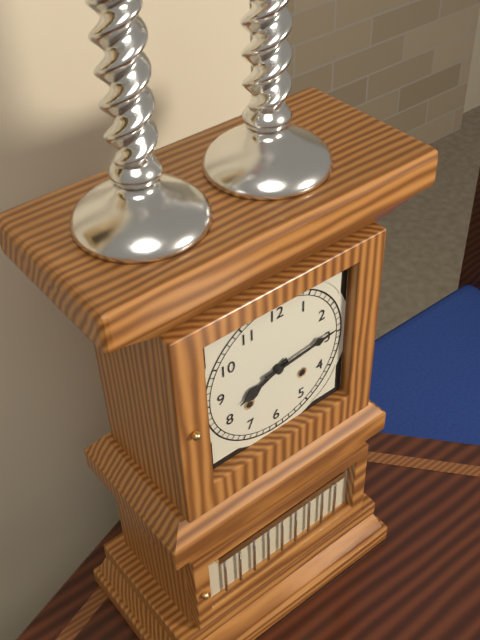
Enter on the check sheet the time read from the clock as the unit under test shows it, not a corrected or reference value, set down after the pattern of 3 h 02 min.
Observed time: 8 h 14 min
